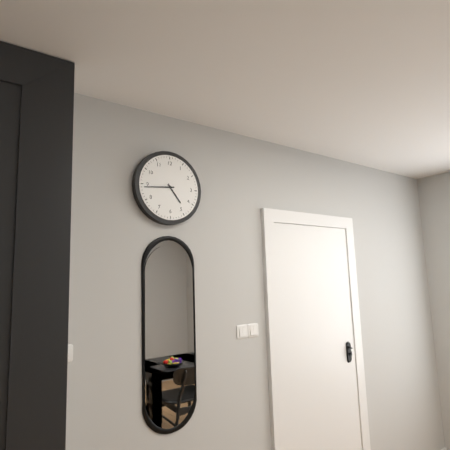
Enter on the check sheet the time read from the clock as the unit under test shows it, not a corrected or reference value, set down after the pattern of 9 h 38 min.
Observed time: 4 h 44 min
